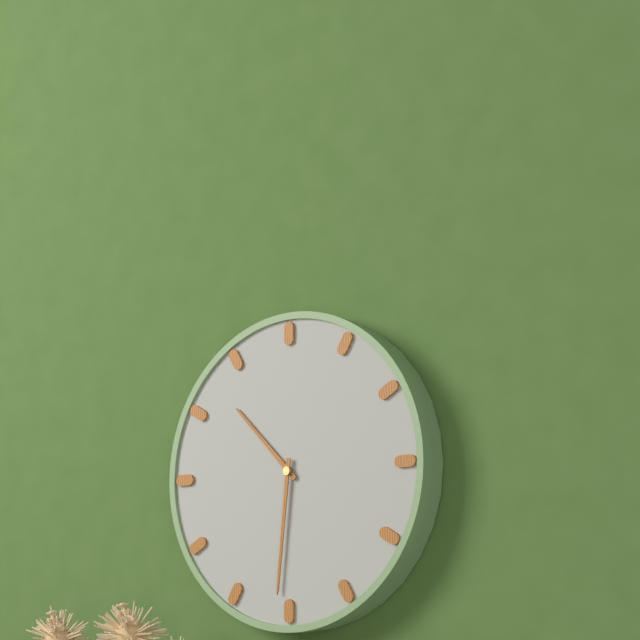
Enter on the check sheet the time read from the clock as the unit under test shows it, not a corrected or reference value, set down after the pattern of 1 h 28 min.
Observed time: 10 h 31 min
